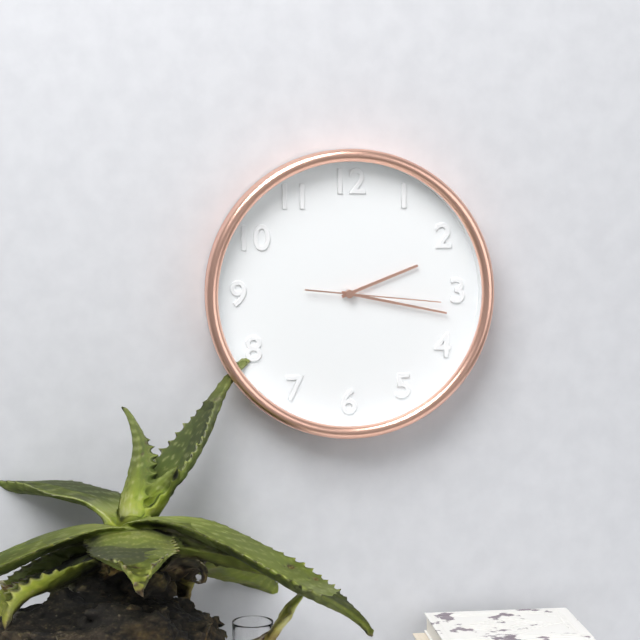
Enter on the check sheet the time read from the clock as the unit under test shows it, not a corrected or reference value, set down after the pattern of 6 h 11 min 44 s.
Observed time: 2 h 17 min 16 s
